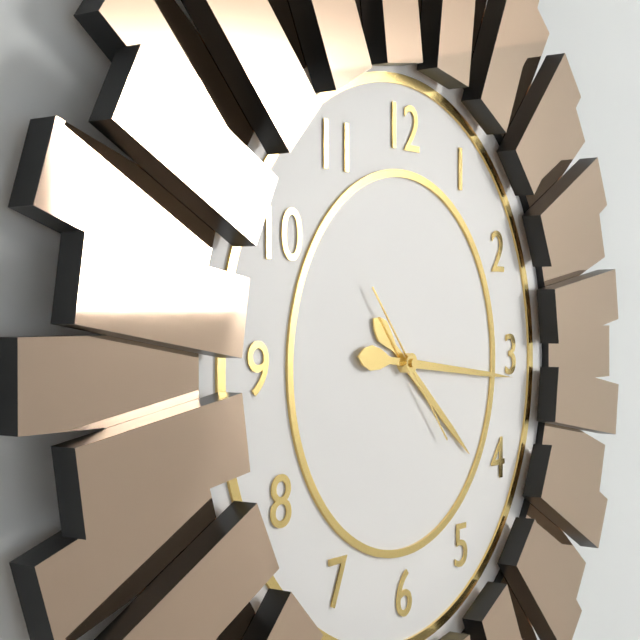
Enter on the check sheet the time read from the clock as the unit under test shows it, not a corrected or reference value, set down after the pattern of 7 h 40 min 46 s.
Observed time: 4 h 16 min 23 s
